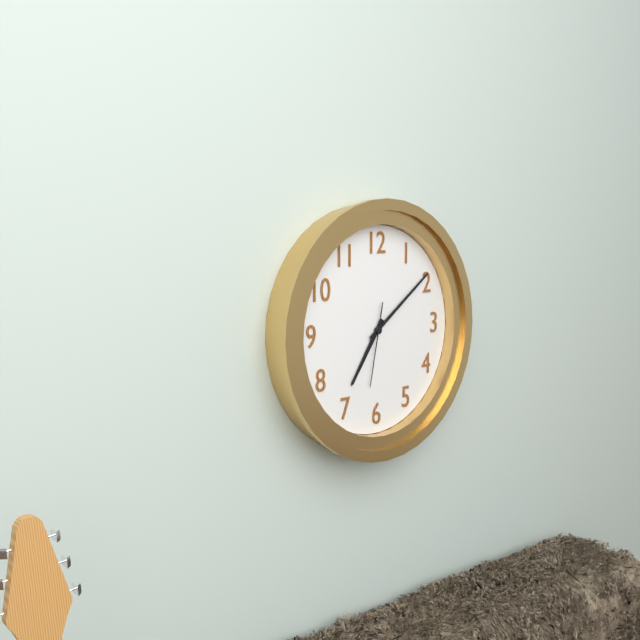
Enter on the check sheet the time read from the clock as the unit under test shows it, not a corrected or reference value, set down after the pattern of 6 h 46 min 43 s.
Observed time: 7 h 09 min 32 s
